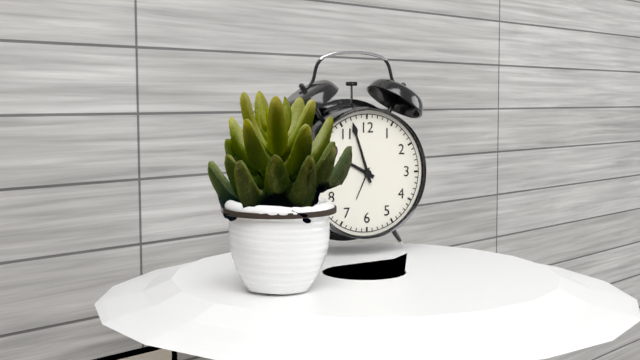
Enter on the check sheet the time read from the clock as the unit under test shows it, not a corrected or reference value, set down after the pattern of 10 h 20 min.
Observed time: 9 h 57 min
